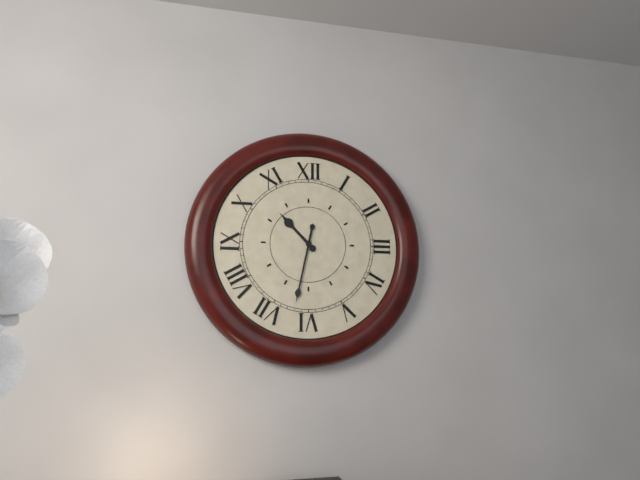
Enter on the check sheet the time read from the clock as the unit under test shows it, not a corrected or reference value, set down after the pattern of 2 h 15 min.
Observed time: 10 h 32 min
